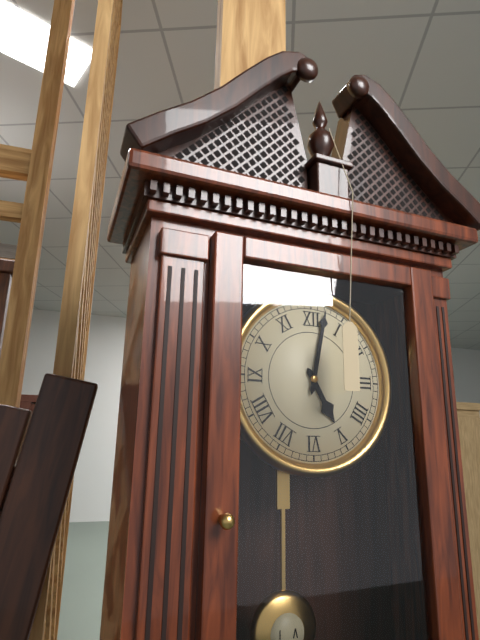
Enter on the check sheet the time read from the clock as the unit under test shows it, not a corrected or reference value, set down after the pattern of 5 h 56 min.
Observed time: 5 h 02 min
